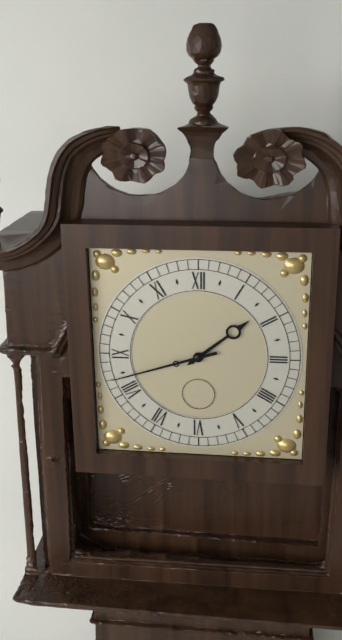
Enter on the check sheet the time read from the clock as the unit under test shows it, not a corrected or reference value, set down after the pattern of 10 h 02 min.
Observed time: 1 h 42 min
